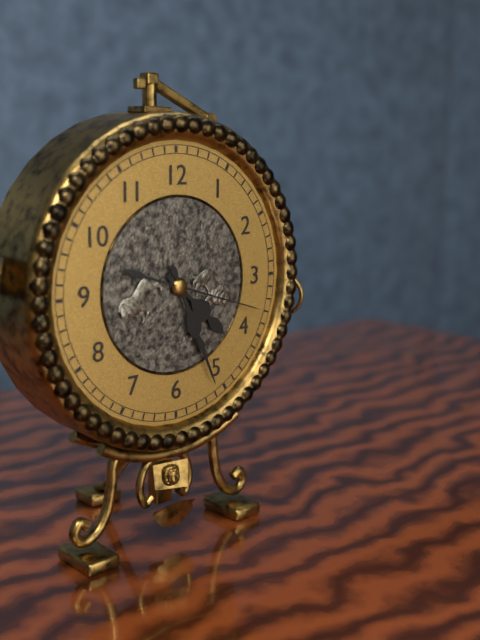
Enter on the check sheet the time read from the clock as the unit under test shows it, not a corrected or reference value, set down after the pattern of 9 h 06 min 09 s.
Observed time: 4 h 26 min 18 s
